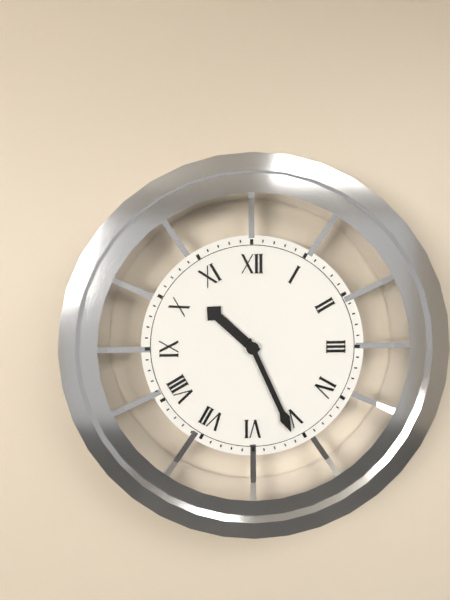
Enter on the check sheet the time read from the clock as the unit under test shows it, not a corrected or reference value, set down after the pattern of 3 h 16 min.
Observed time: 10 h 26 min
